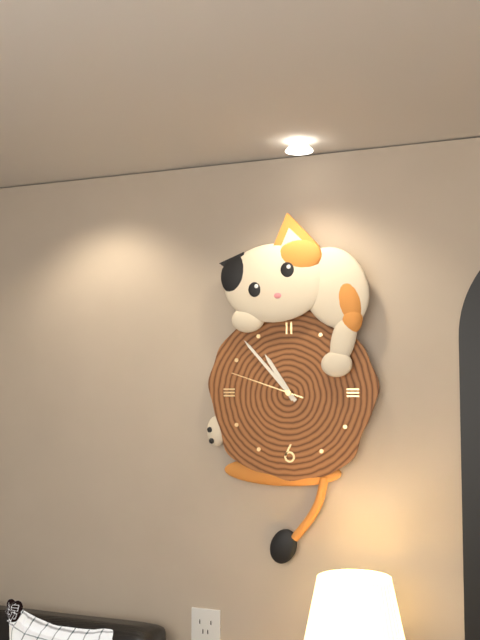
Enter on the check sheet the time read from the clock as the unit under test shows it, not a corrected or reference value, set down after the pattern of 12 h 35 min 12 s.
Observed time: 10 h 53 min 48 s
